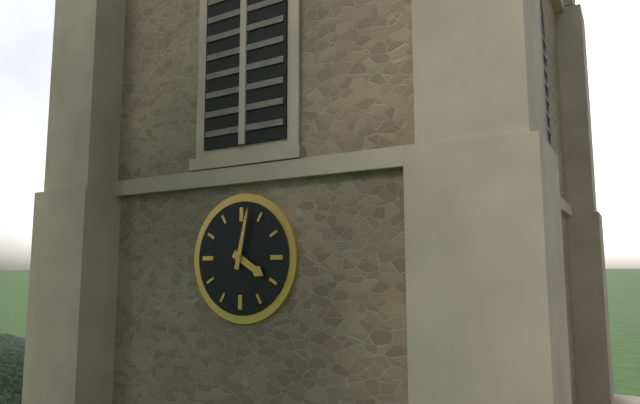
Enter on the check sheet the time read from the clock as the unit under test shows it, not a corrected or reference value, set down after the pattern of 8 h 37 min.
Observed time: 4 h 02 min
